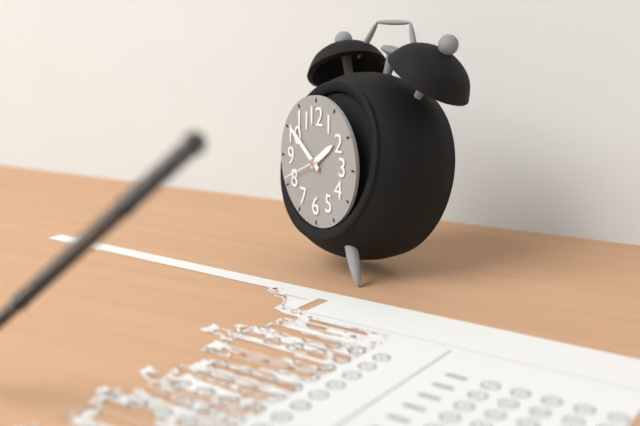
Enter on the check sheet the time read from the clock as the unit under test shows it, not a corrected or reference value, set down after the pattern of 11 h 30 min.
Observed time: 1 h 51 min
